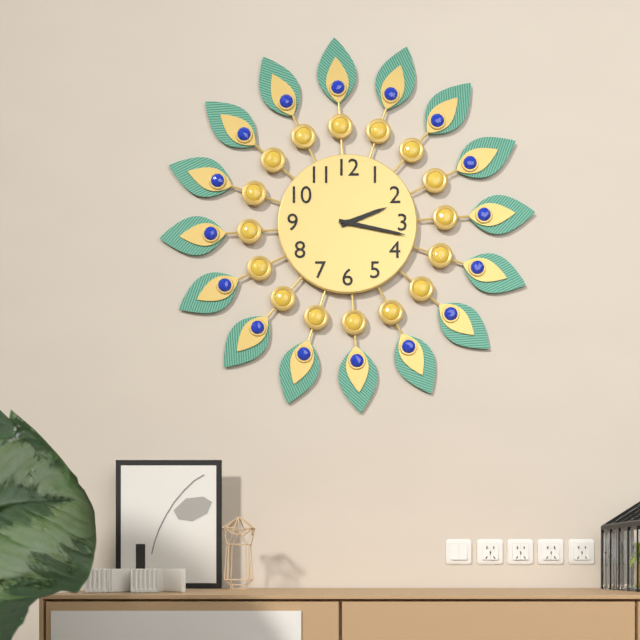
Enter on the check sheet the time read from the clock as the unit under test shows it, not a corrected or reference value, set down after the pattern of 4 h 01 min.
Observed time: 2 h 17 min
